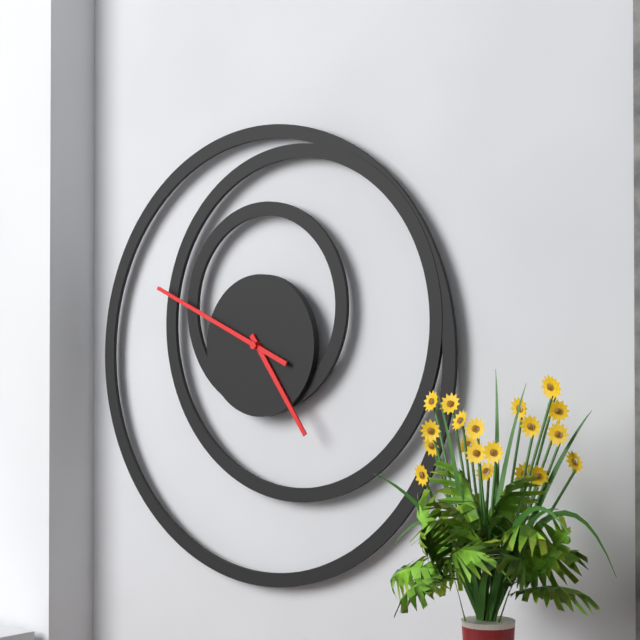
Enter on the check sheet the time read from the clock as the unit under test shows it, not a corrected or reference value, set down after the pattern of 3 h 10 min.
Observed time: 4 h 49 min
